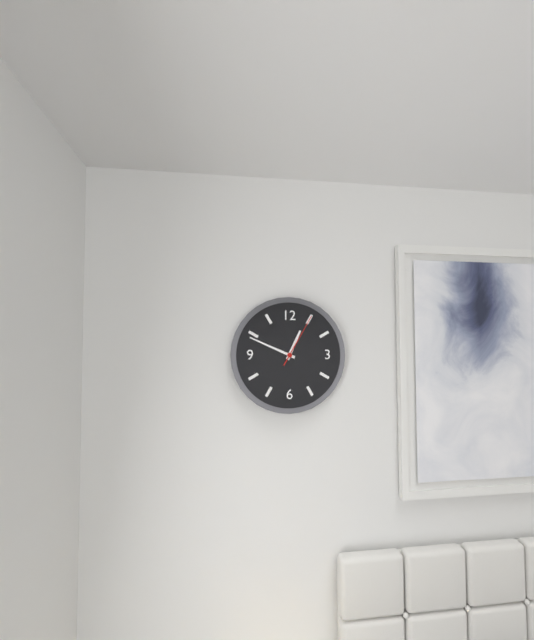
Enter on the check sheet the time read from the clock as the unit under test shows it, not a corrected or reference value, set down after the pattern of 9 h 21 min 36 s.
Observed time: 12 h 49 min 05 s
